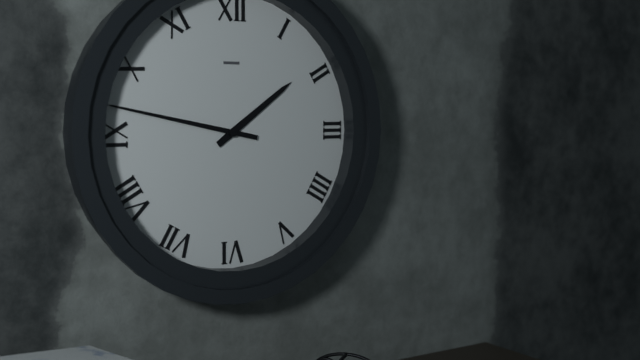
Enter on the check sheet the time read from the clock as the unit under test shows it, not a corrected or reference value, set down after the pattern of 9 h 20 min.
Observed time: 1 h 47 min
